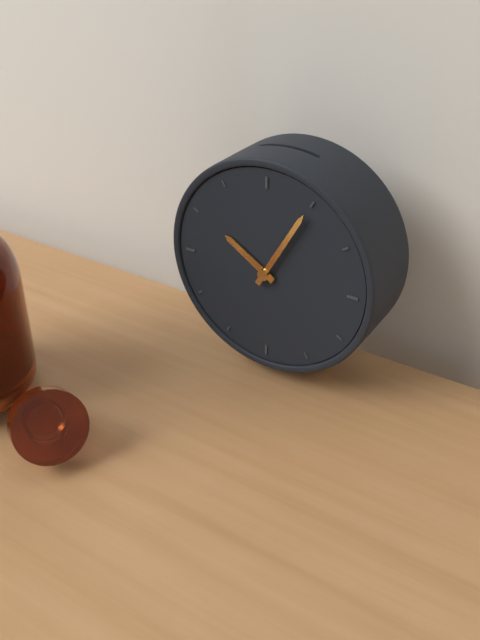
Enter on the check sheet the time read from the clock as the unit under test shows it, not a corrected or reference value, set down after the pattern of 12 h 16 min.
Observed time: 10 h 05 min
